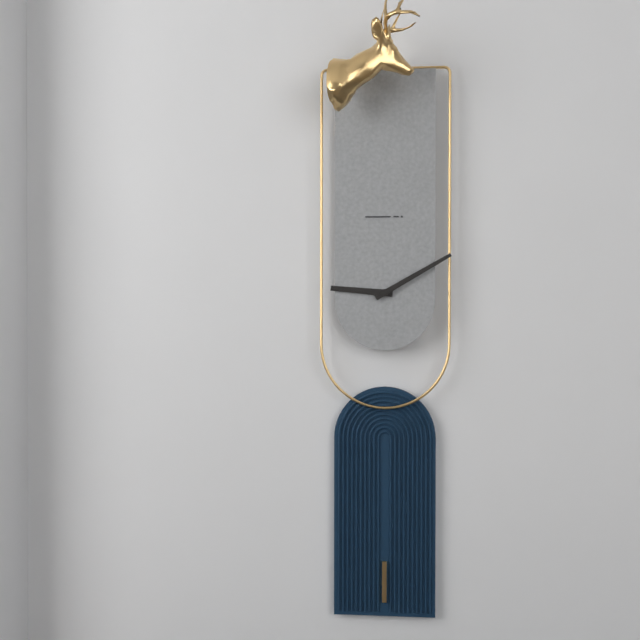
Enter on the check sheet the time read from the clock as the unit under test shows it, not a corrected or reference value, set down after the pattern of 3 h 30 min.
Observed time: 9 h 10 min
